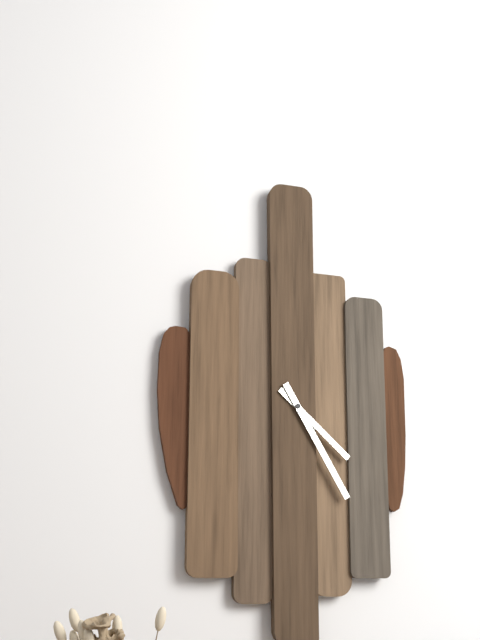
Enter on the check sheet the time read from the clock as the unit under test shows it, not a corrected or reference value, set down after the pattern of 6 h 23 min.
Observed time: 4 h 25 min
